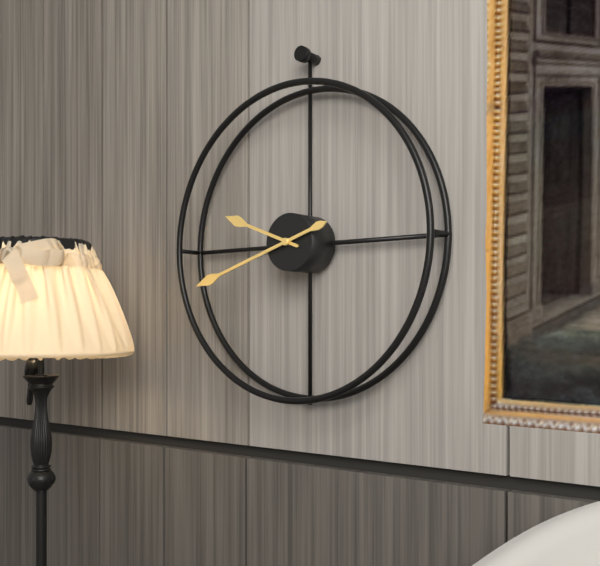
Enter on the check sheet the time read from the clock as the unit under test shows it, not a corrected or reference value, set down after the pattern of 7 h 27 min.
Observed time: 9 h 42 min
